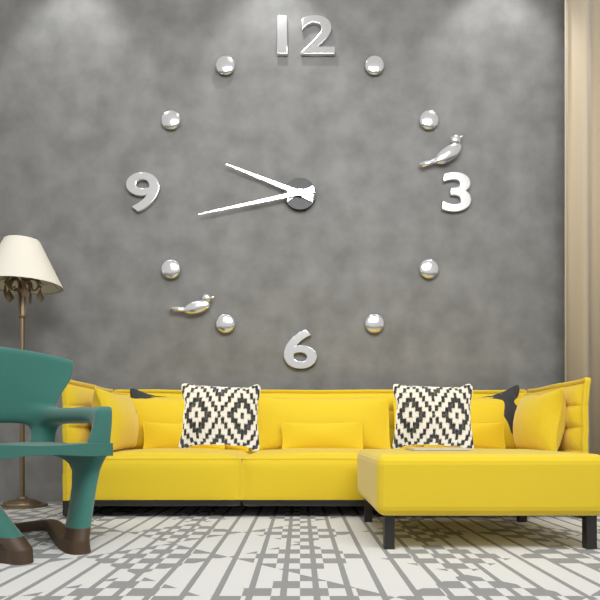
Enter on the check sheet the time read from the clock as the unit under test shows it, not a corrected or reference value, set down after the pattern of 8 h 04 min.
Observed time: 9 h 43 min
